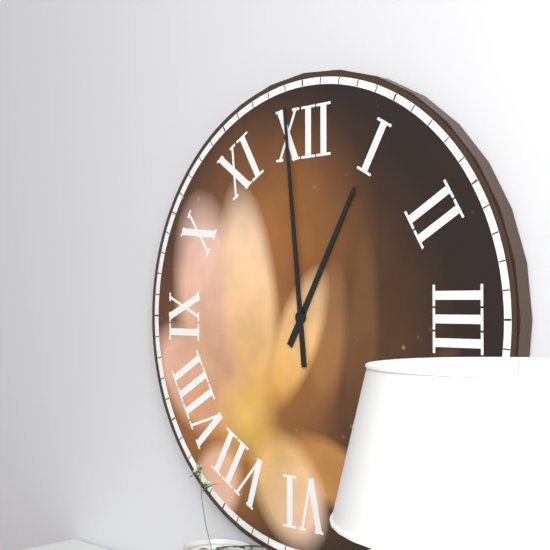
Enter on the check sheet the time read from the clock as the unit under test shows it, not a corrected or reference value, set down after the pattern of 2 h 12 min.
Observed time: 12 h 59 min
